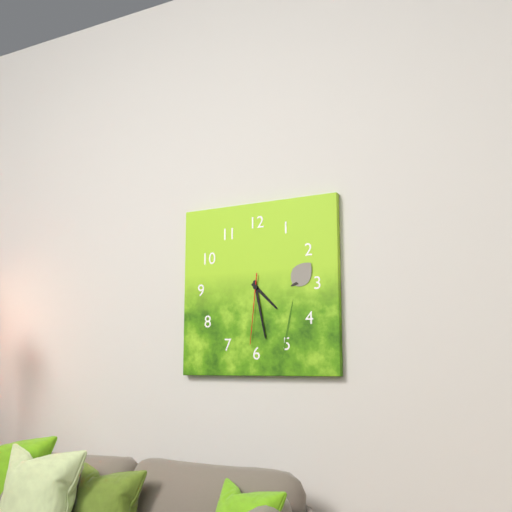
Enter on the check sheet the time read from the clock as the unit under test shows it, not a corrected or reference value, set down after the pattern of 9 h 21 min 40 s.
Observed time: 4 h 28 min 31 s
